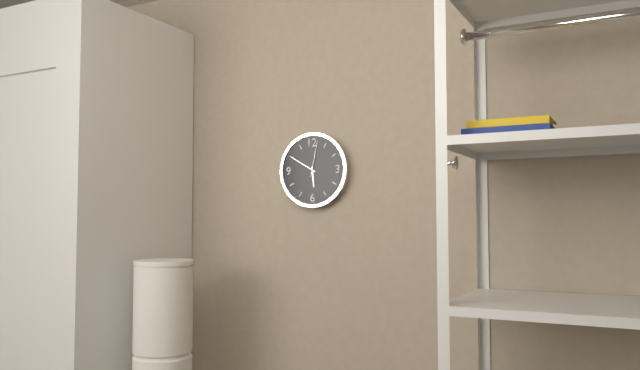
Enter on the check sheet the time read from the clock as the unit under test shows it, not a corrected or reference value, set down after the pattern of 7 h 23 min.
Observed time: 5 h 50 min
